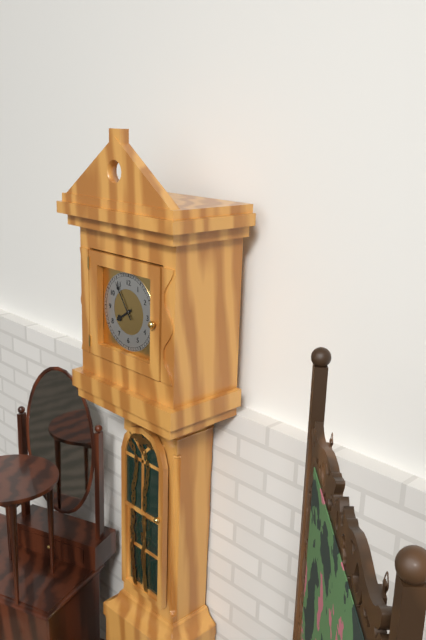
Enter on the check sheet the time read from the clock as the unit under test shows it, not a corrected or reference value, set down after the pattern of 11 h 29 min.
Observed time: 7 h 54 min
